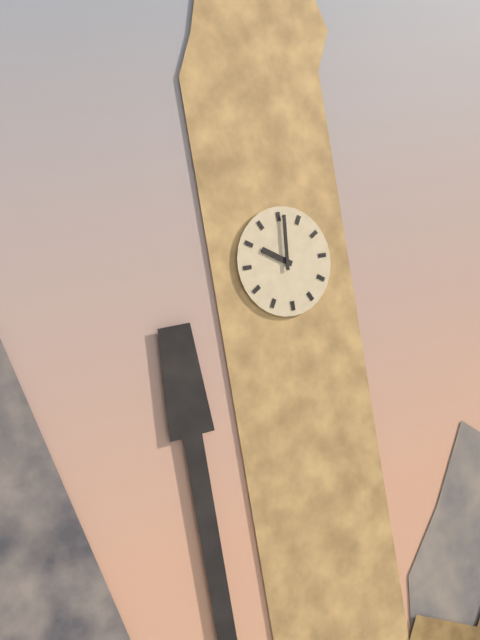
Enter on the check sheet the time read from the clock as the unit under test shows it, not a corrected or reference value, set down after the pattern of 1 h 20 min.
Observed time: 10 h 01 min
